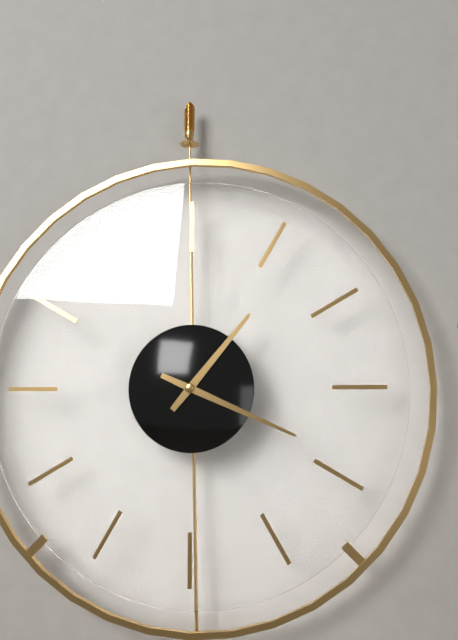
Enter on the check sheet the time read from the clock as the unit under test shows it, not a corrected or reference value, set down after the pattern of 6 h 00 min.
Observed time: 1 h 19 min
